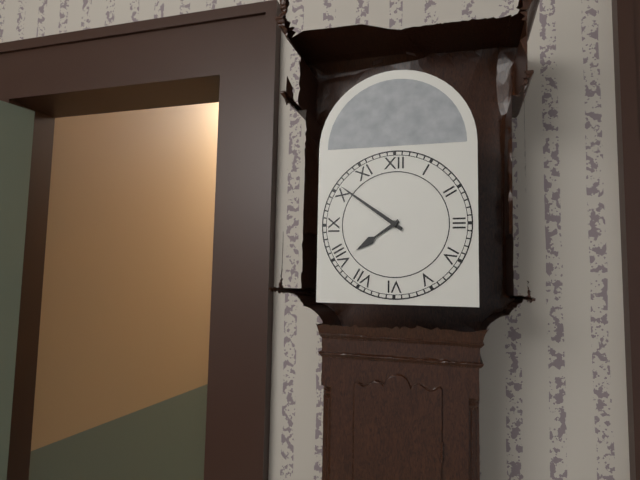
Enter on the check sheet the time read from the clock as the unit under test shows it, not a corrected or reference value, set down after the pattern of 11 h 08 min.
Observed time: 7 h 51 min
